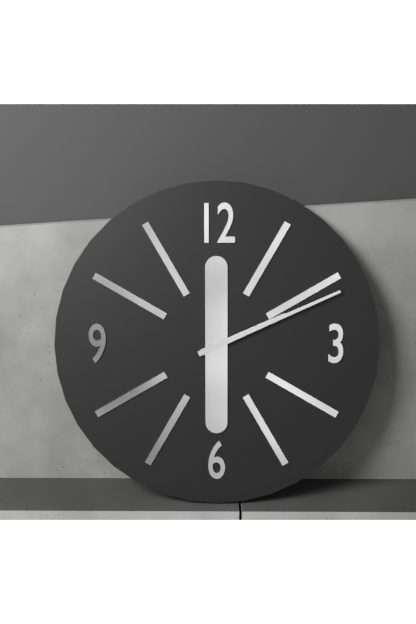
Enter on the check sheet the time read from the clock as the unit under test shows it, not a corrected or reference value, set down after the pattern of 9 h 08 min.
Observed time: 2 h 11 min
